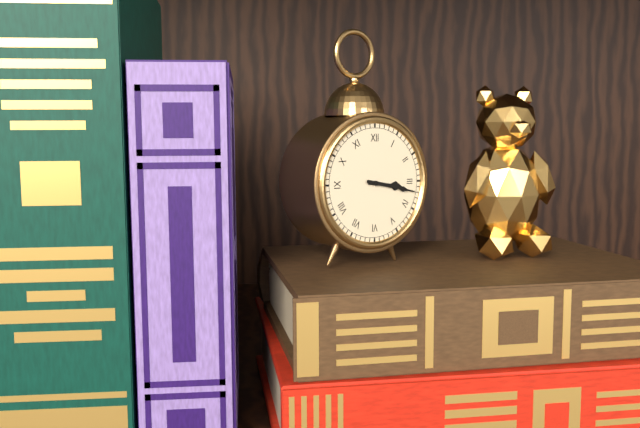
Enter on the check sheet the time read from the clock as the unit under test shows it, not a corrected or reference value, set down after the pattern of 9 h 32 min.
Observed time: 3 h 17 min
